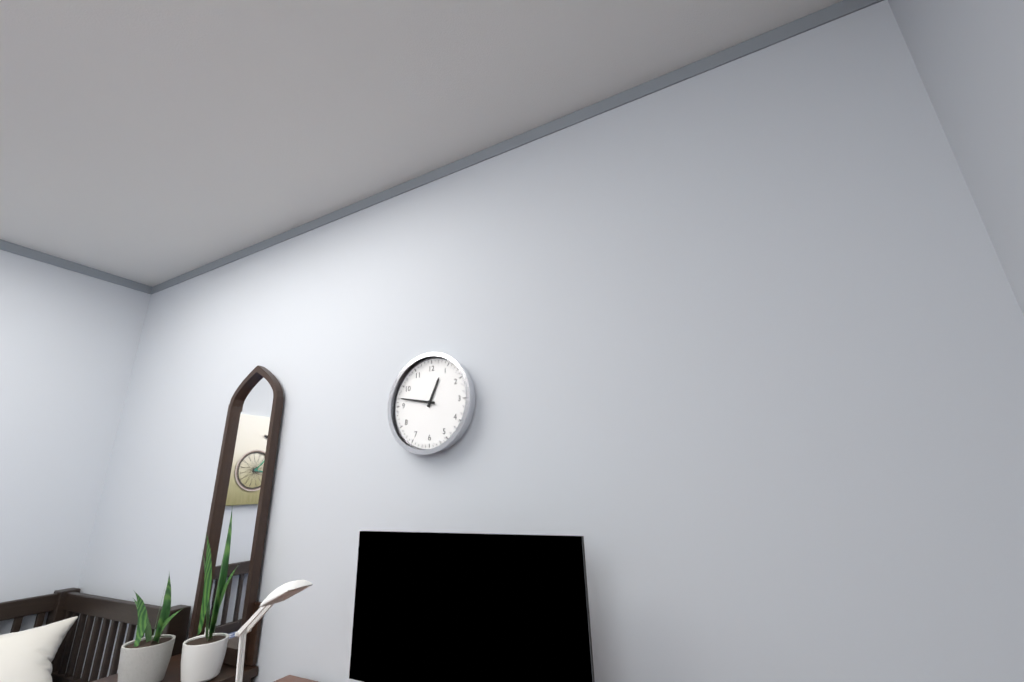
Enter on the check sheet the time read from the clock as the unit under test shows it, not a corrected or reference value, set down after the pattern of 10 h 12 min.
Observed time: 12 h 47 min
